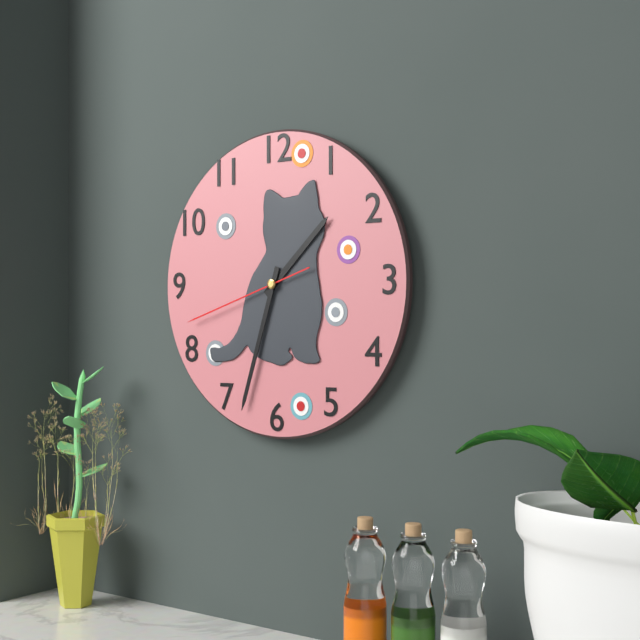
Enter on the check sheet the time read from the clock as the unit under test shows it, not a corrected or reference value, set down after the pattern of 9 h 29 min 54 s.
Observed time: 1 h 33 min 42 s
